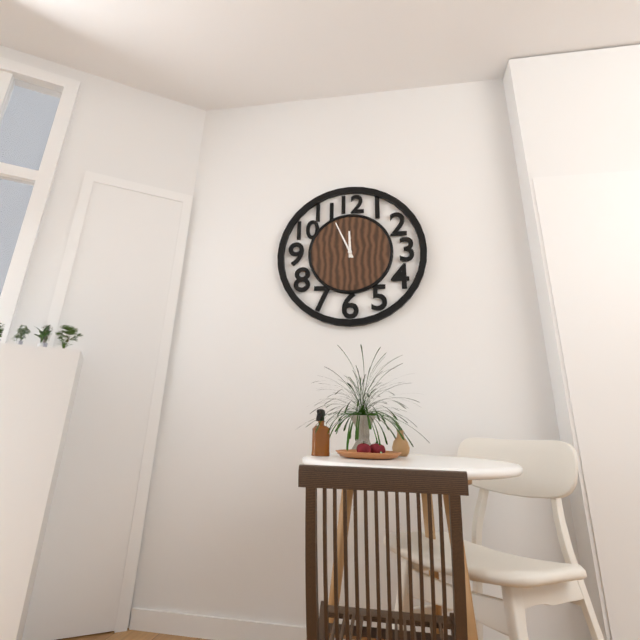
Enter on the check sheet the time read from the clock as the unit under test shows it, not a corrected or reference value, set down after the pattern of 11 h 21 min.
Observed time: 11 h 56 min
